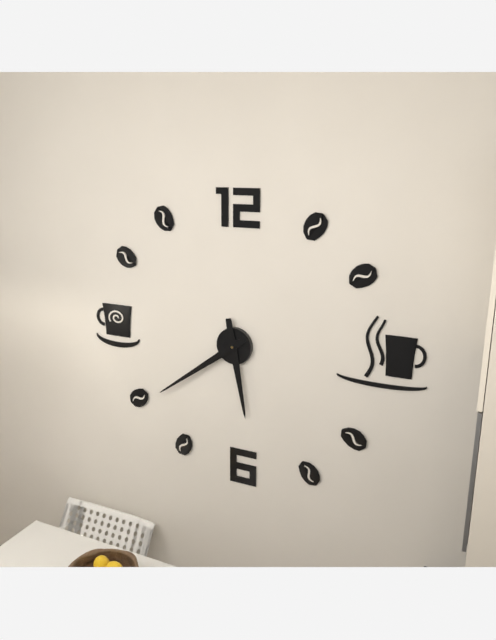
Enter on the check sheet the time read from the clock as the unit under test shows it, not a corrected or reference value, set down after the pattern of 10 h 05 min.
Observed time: 5 h 39 min
